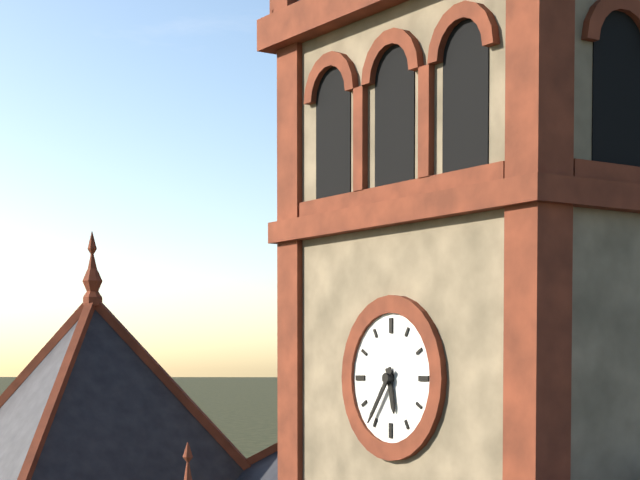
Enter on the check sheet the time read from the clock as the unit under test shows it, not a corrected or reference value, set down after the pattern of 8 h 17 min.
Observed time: 5 h 36 min
